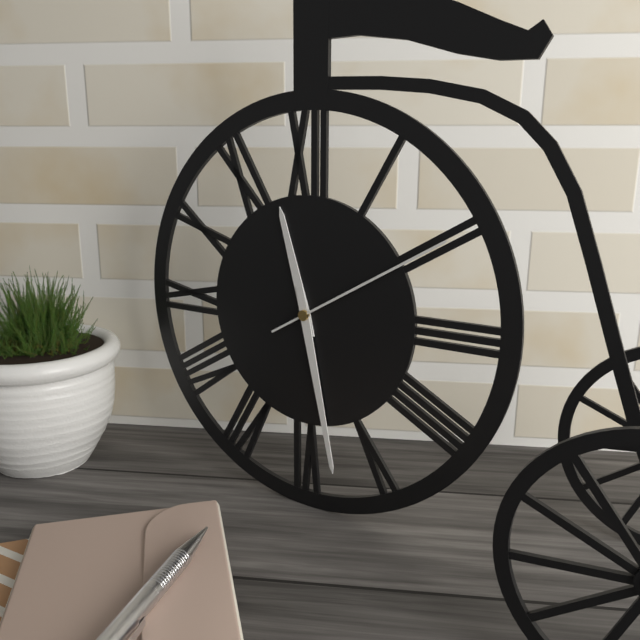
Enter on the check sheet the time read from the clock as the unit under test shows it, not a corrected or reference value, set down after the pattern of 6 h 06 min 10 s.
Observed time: 11 h 28 min 10 s
